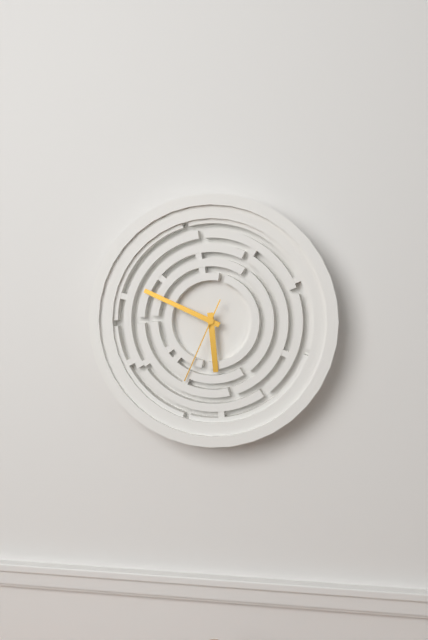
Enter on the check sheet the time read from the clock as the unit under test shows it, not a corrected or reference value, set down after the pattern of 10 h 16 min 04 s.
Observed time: 5 h 49 min 34 s
